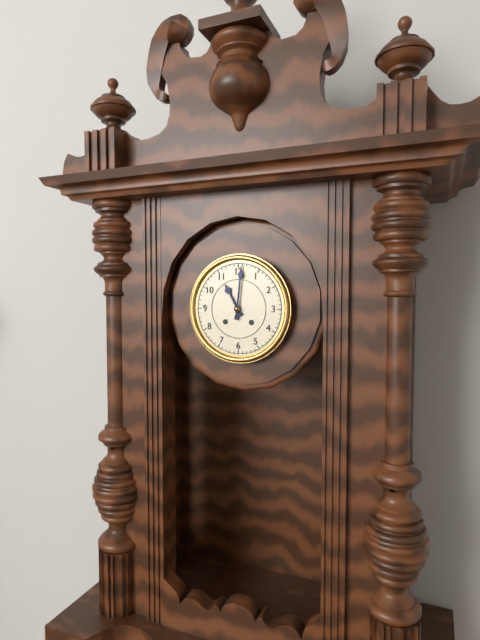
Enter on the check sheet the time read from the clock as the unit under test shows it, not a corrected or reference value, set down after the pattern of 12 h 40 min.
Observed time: 11 h 01 min
